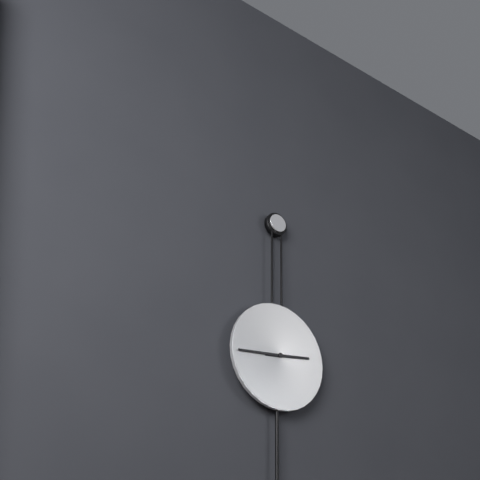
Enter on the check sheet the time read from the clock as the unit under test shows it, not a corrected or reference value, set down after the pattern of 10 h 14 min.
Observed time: 2 h 44 min
